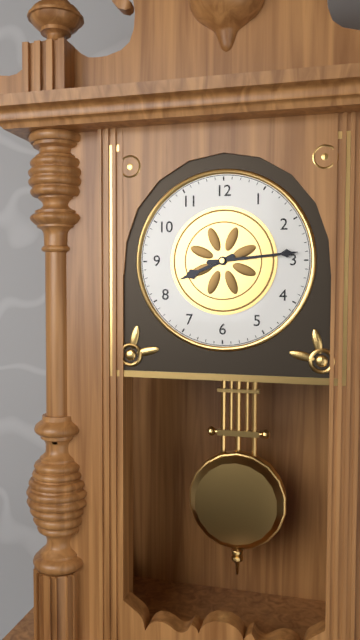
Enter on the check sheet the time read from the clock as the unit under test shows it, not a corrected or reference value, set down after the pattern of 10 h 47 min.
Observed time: 8 h 14 min
